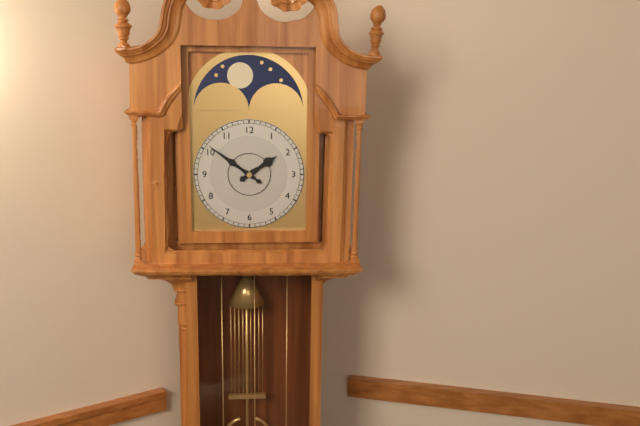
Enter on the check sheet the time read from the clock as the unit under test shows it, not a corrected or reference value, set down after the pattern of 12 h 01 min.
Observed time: 1 h 51 min
